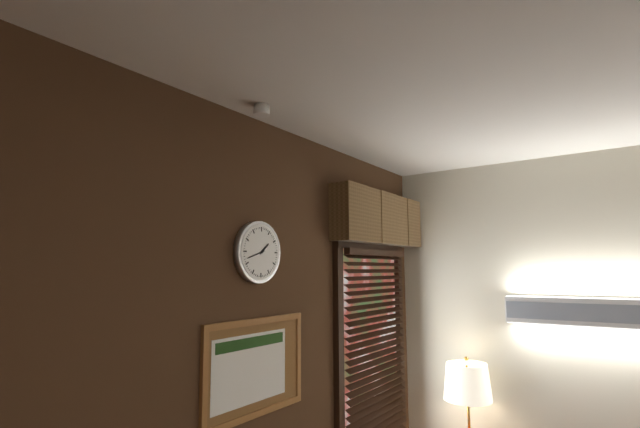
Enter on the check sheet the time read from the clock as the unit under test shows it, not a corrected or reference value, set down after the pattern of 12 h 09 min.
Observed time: 1 h 42 min
